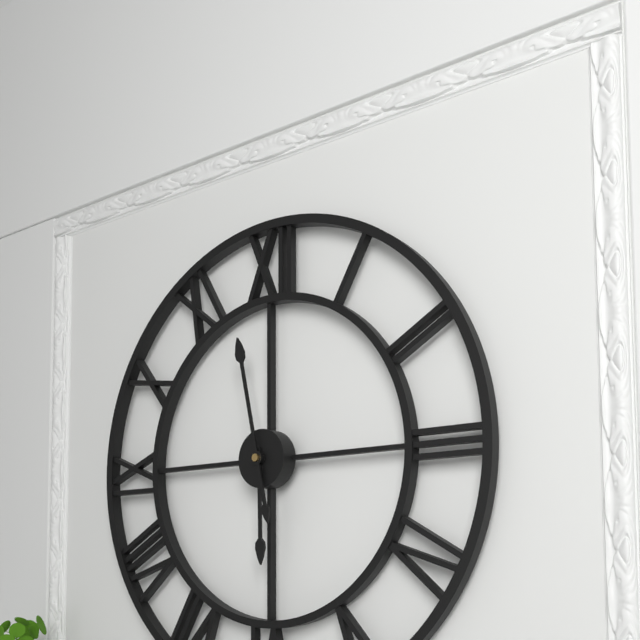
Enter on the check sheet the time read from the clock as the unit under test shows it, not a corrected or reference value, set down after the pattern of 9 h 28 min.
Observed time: 5 h 58 min
